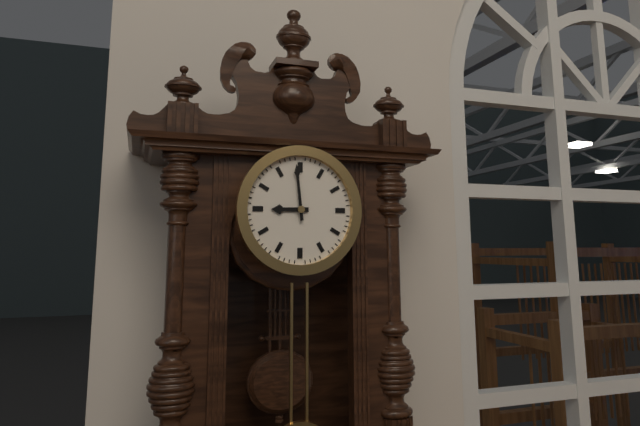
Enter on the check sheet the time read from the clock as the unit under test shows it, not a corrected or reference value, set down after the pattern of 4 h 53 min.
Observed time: 8 h 59 min
